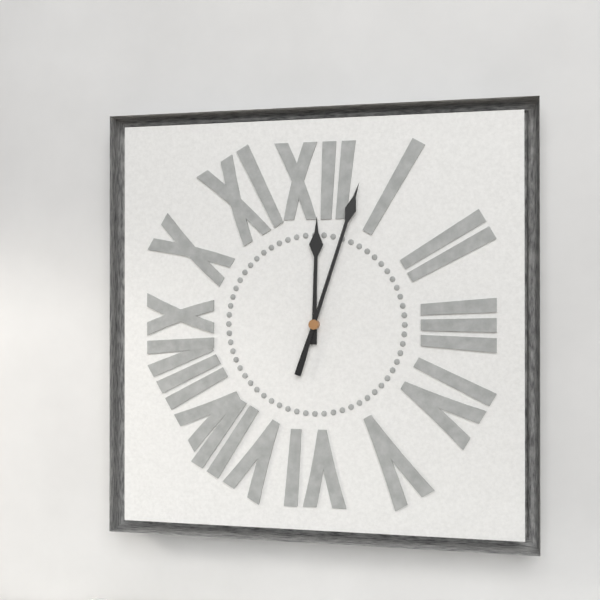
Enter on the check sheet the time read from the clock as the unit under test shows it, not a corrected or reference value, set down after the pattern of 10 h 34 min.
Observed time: 12 h 03 min
